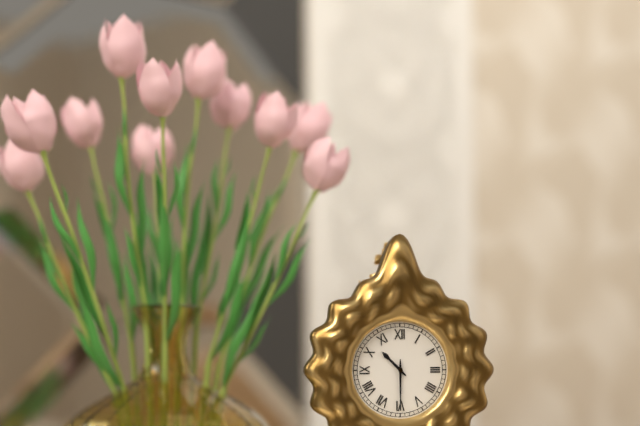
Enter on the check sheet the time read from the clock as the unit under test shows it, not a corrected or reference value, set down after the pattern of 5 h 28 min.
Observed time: 10 h 30 min
